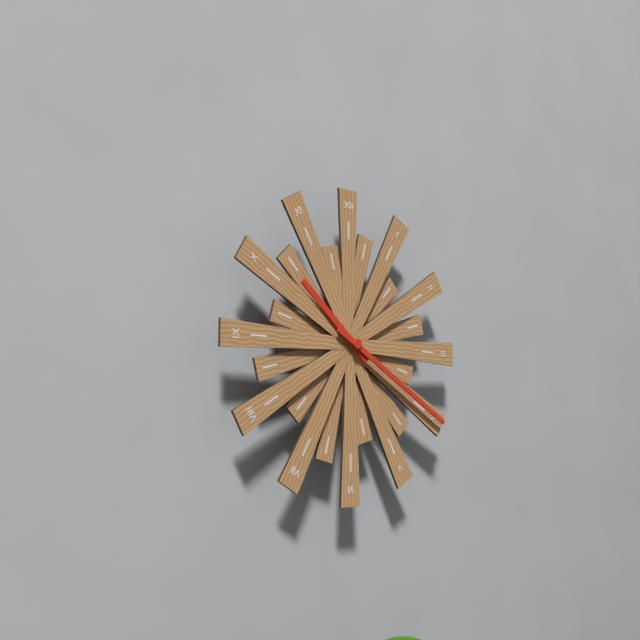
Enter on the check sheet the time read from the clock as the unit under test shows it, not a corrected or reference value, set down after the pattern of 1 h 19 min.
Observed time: 10 h 20 min
